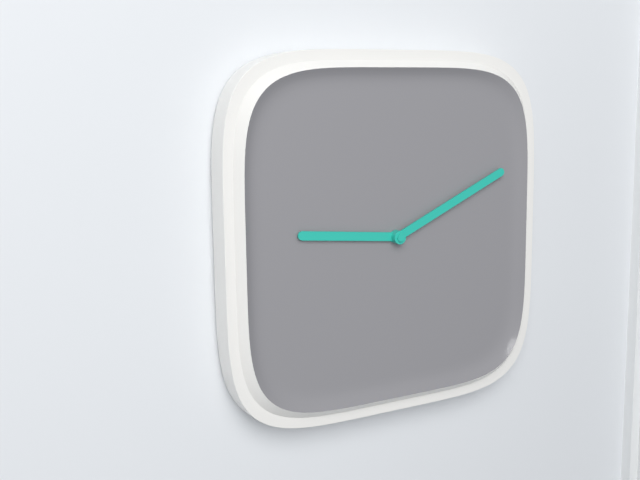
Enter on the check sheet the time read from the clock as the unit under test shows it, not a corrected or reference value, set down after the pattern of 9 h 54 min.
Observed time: 9 h 11 min
